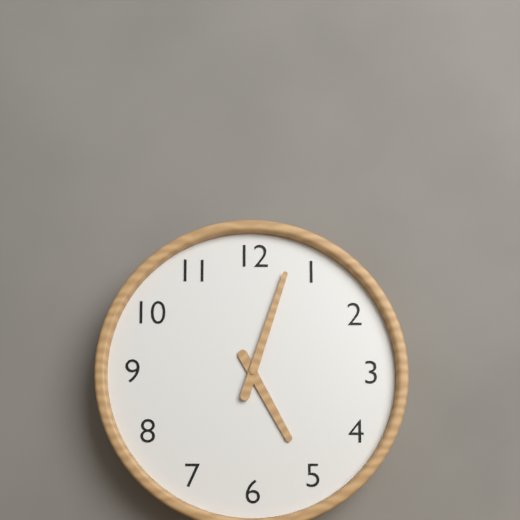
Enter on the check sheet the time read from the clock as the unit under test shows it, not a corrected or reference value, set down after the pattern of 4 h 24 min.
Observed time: 5 h 03 min
